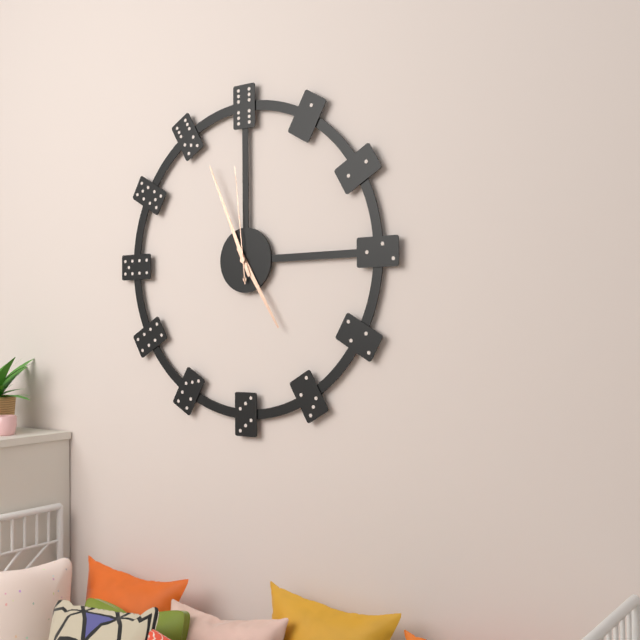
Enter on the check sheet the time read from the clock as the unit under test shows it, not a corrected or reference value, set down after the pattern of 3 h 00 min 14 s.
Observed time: 4 h 56 min 59 s
